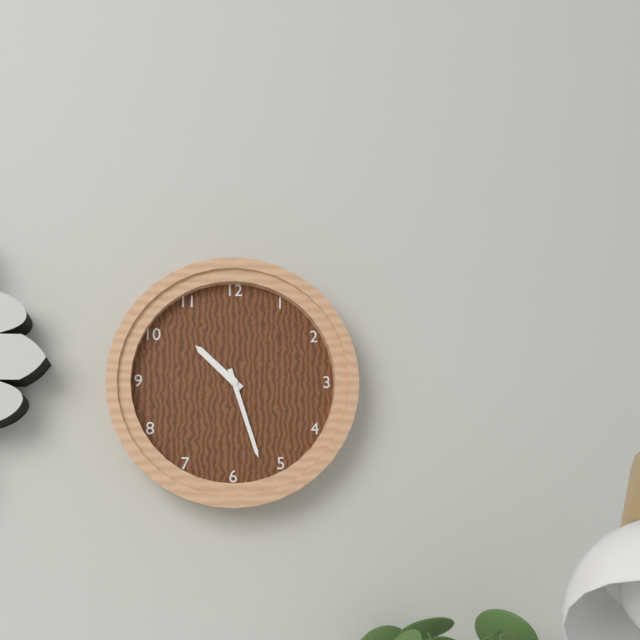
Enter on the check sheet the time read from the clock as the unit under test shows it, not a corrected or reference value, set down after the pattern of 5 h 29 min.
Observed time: 10 h 27 min
